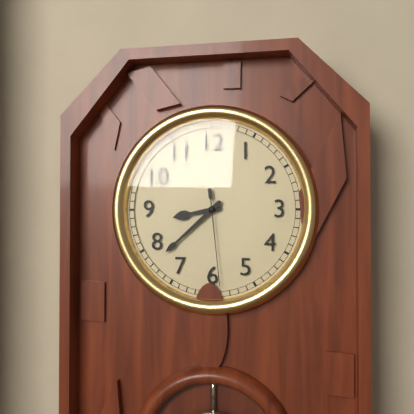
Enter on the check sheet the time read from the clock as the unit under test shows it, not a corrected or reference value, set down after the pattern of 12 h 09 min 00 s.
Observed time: 8 h 38 min 29 s
